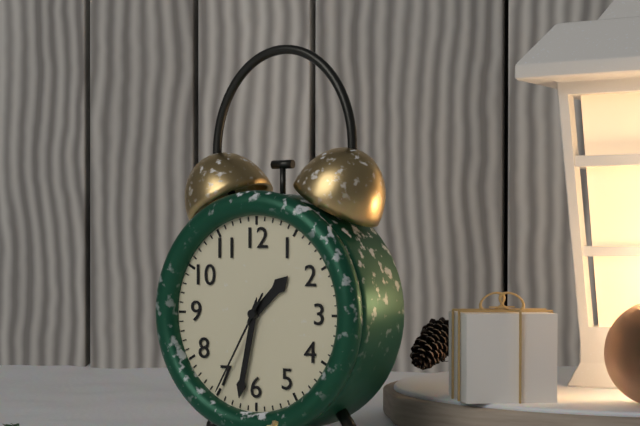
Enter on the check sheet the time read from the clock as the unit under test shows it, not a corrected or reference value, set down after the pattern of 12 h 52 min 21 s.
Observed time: 1 h 32 min 35 s
